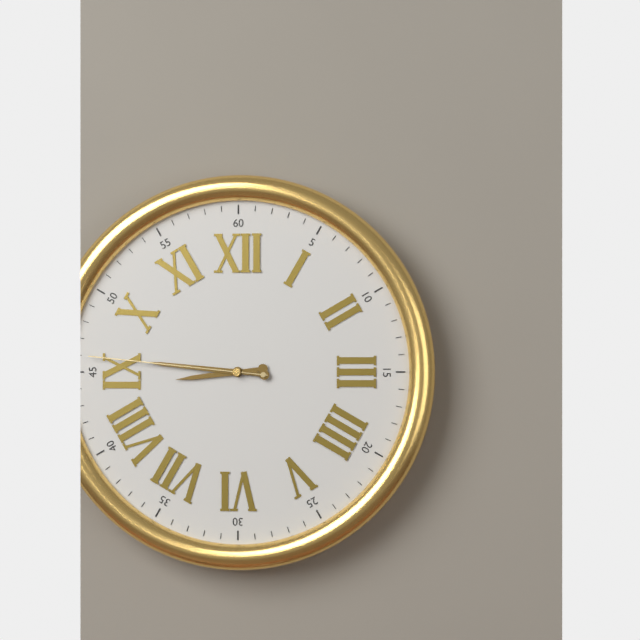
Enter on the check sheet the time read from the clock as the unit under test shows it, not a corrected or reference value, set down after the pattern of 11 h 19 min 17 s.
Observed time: 8 h 46 min 46 s
